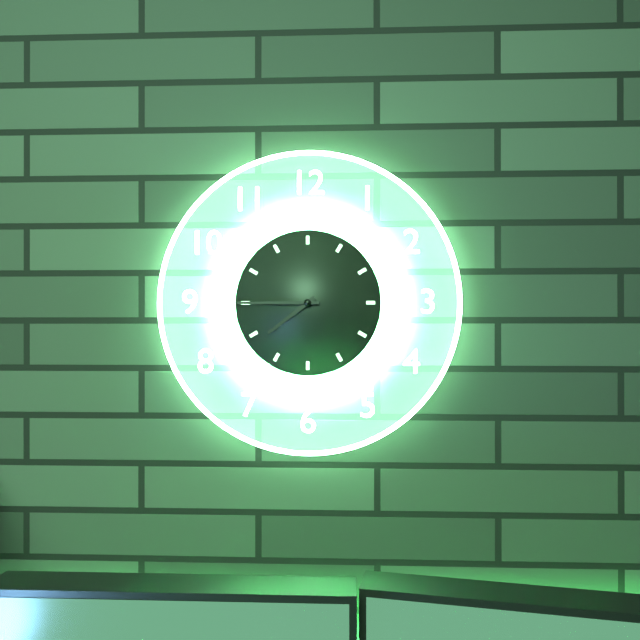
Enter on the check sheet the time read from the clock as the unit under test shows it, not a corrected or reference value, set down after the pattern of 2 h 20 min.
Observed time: 7 h 45 min
